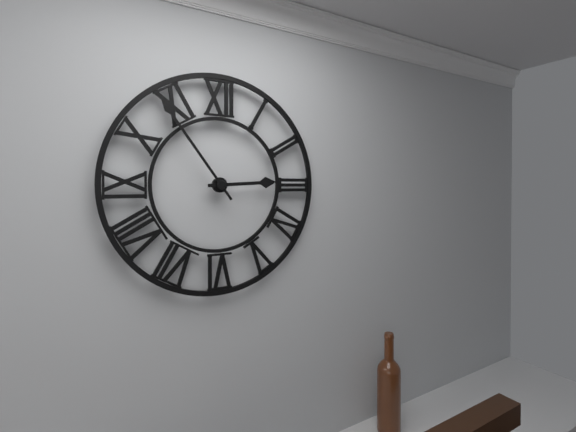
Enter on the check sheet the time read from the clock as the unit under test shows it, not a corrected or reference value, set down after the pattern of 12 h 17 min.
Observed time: 2 h 54 min
